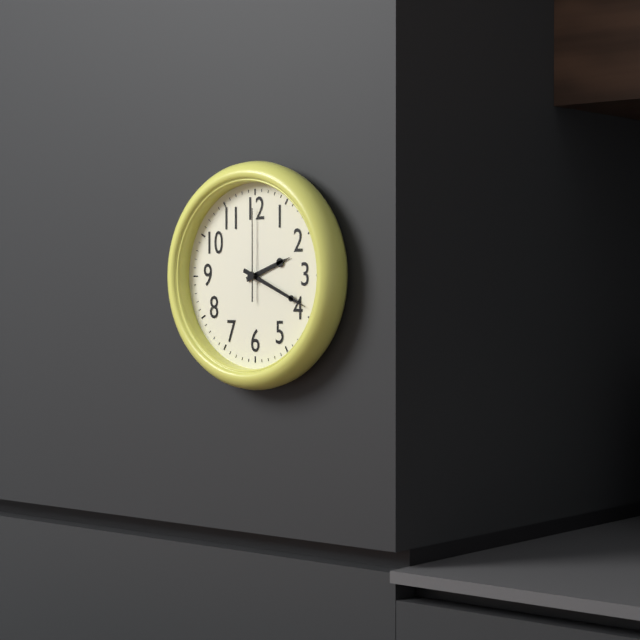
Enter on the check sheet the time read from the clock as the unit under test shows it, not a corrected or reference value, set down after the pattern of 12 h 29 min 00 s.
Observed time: 2 h 19 min 00 s
